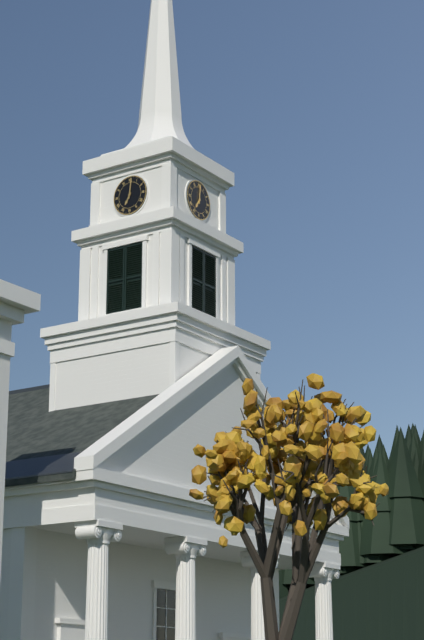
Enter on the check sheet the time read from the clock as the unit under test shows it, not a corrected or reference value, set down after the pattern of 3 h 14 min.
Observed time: 7 h 01 min
